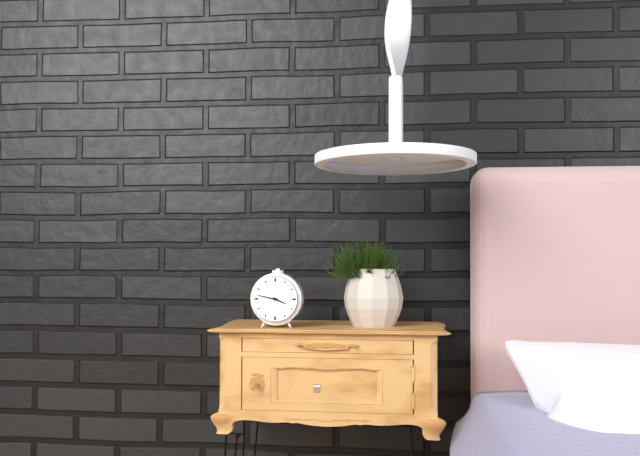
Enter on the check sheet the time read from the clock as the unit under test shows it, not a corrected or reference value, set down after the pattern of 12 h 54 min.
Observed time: 3 h 47 min
